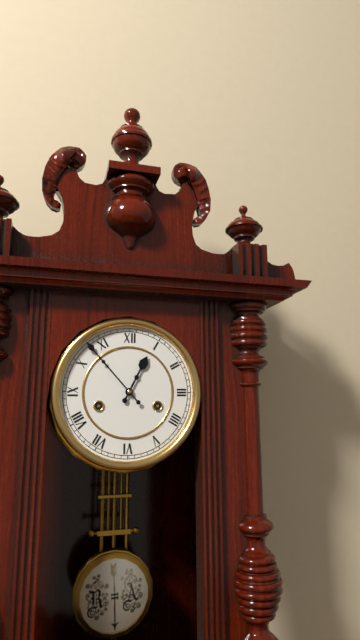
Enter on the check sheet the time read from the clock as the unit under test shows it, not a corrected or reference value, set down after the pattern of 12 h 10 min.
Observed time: 12 h 53 min
